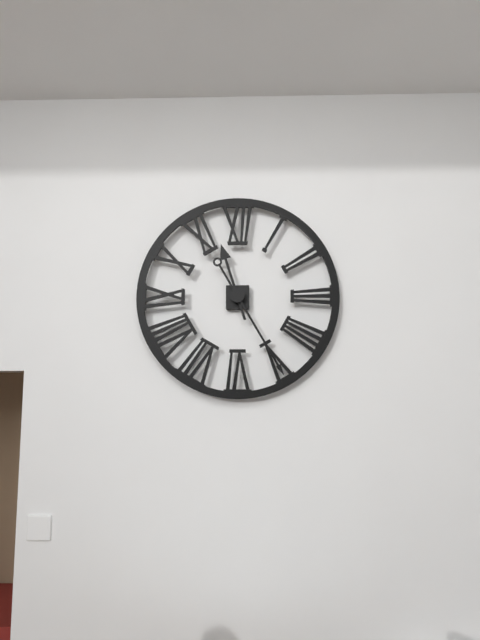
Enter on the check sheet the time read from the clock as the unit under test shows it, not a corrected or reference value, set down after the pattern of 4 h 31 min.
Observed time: 11 h 25 min
